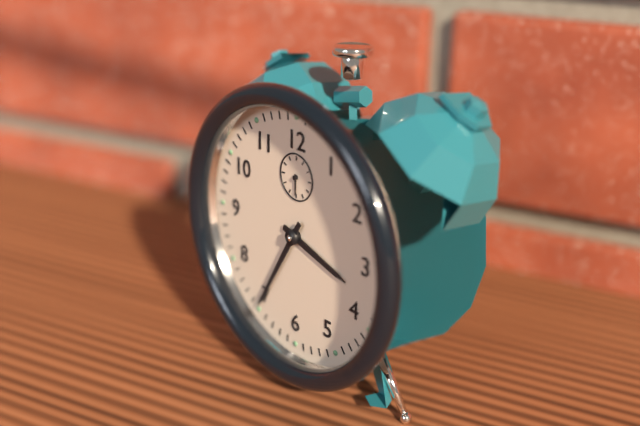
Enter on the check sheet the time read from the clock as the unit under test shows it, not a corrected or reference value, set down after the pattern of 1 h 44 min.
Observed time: 3 h 35 min
